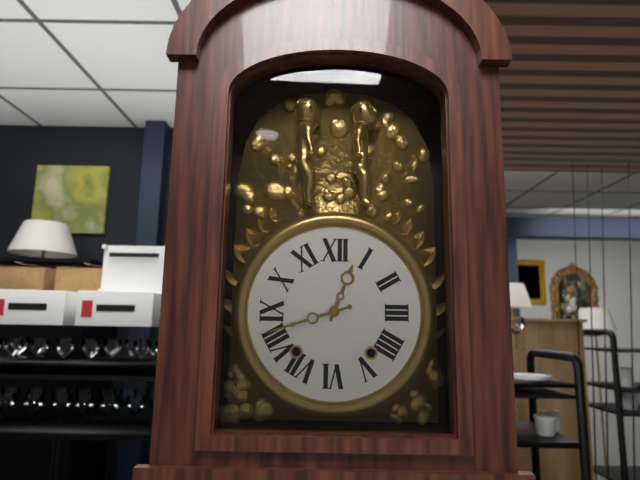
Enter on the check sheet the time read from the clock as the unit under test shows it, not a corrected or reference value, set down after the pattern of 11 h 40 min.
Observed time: 12 h 42 min
